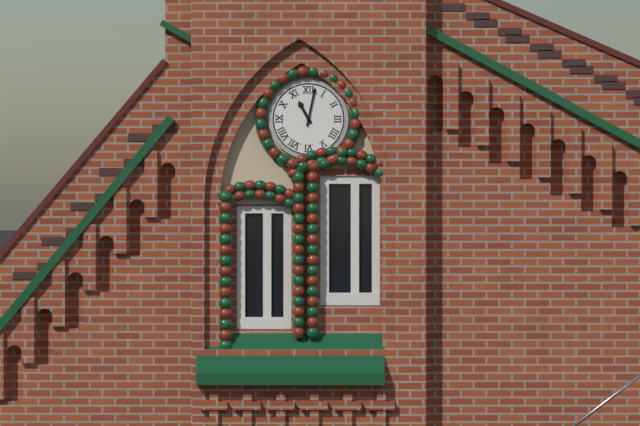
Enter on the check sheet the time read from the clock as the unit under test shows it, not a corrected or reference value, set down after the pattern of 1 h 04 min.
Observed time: 11 h 02 min
